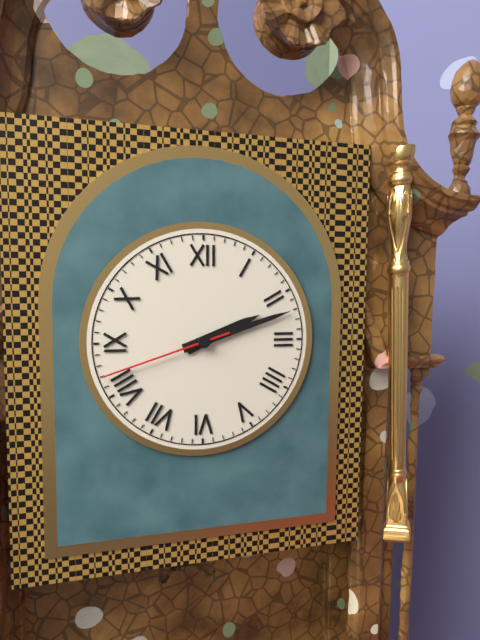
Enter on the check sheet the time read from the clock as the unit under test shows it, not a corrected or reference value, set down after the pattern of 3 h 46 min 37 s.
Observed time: 2 h 12 min 42 s
